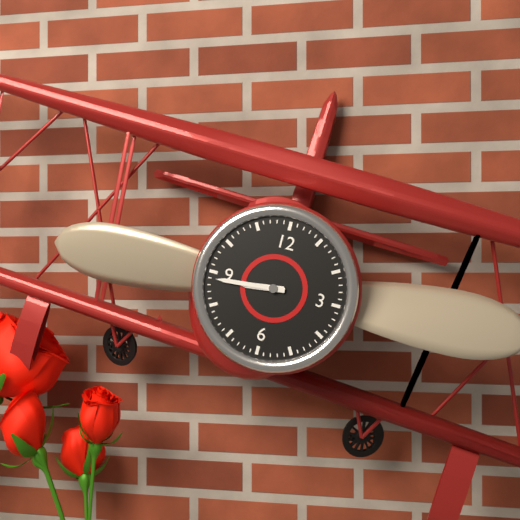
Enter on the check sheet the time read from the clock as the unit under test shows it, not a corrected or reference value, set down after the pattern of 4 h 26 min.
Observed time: 8 h 44 min
